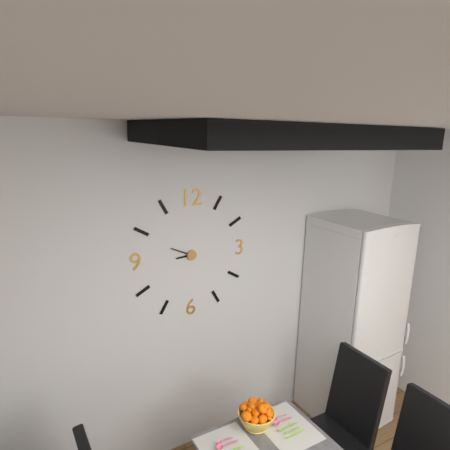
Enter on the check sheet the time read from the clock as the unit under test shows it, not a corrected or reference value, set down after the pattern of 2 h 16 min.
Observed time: 8 h 49 min
